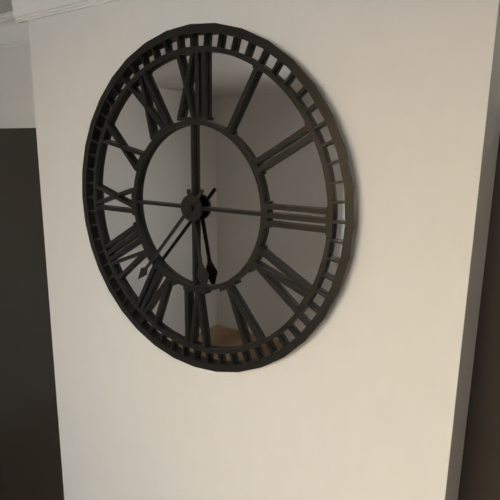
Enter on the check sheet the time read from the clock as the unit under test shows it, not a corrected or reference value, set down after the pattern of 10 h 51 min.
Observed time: 5 h 37 min
